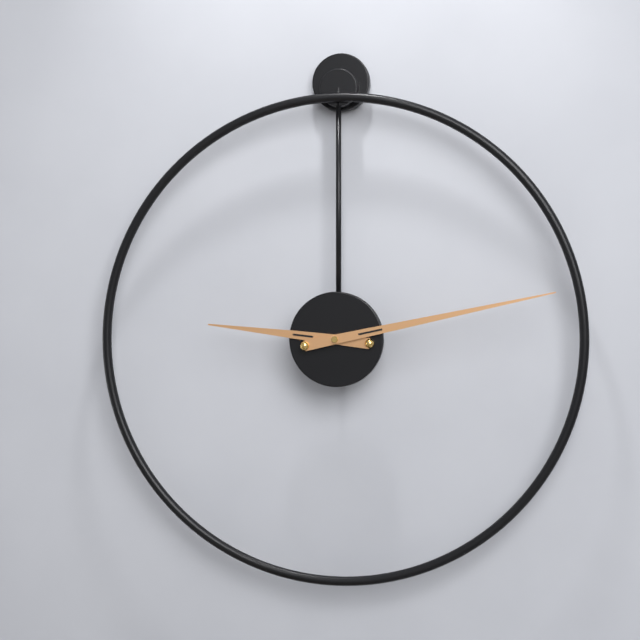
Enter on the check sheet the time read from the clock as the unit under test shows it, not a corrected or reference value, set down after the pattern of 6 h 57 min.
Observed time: 9 h 13 min
